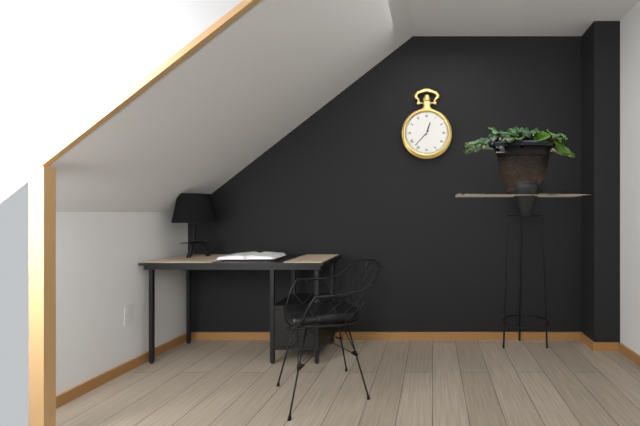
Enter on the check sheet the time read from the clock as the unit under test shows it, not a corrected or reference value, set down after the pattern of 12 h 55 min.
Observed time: 12 h 37 min
